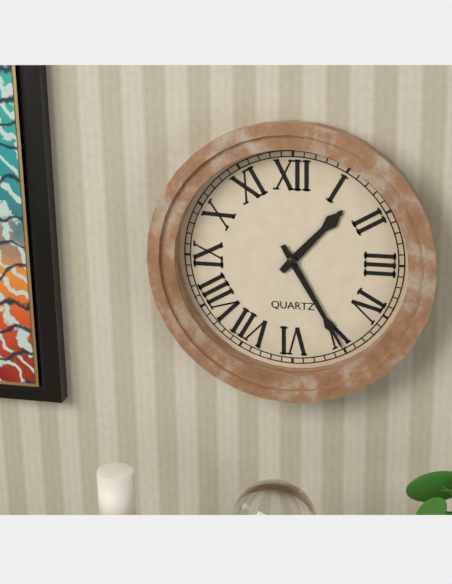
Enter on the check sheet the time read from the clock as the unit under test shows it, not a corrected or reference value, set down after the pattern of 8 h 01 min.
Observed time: 1 h 25 min
